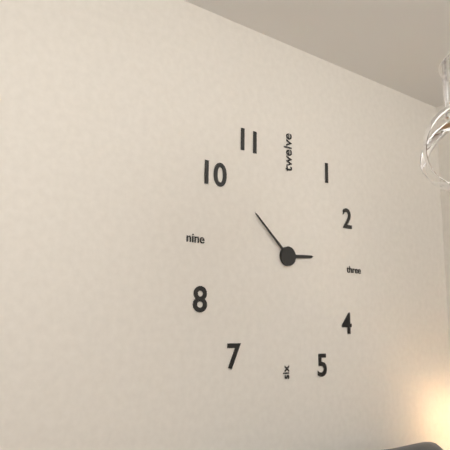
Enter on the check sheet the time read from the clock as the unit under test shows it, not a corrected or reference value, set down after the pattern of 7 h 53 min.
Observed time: 2 h 52 min
